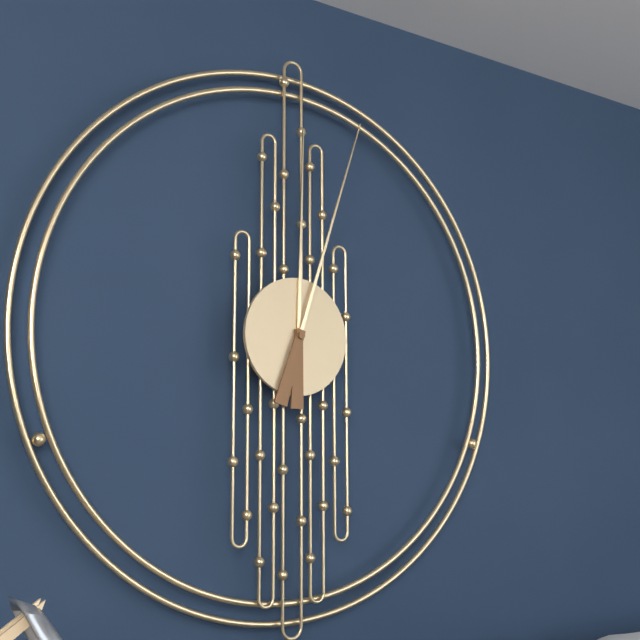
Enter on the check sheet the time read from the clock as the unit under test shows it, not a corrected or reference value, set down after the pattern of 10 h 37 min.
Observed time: 12 h 03 min
